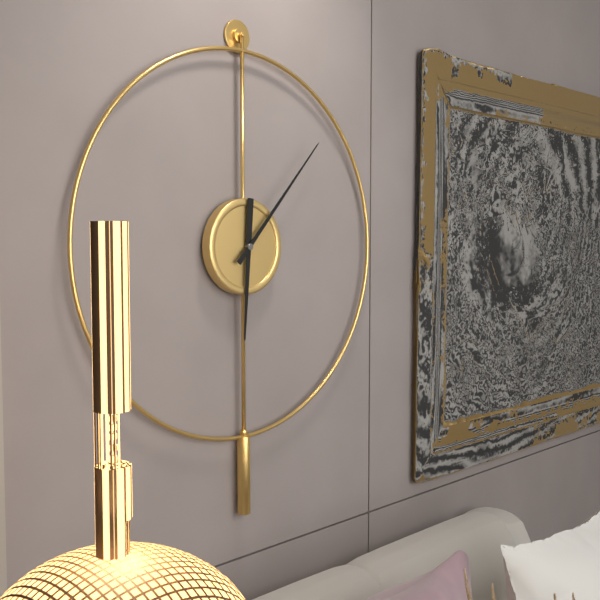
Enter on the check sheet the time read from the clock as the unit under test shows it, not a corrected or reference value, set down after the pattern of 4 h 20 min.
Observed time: 6 h 07 min
